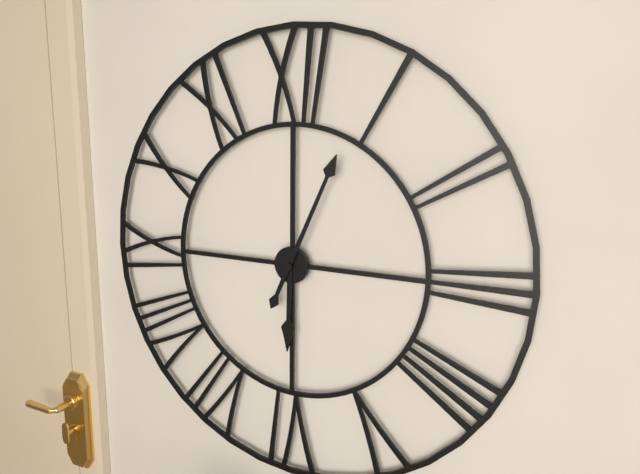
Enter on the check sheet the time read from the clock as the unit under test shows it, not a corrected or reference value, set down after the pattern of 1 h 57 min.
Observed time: 6 h 04 min
